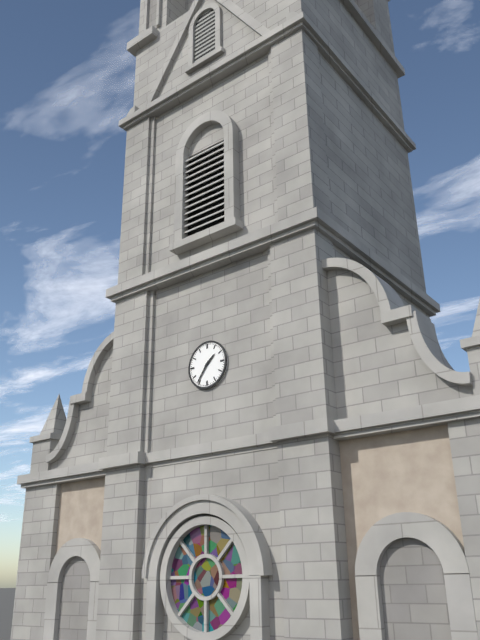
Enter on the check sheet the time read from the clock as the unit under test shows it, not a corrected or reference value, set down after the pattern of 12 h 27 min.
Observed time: 1 h 36 min
